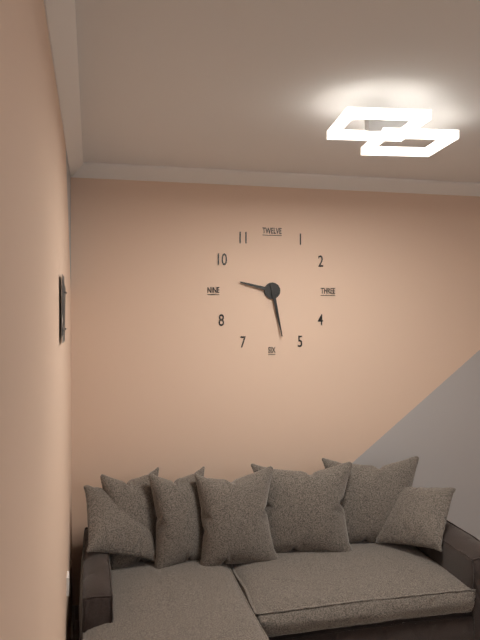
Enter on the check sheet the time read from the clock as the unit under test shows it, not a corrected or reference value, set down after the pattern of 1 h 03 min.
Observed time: 9 h 28 min
